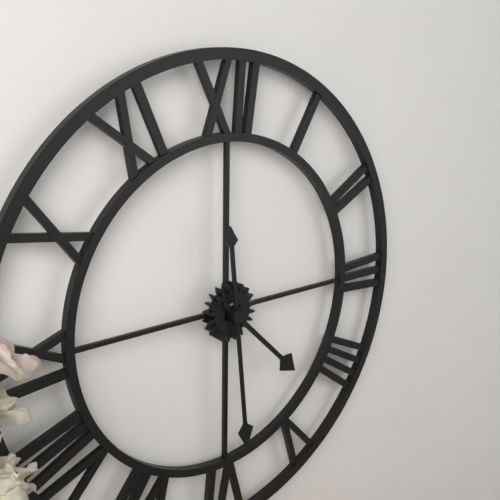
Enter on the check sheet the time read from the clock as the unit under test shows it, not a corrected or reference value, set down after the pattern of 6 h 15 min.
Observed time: 4 h 29 min
